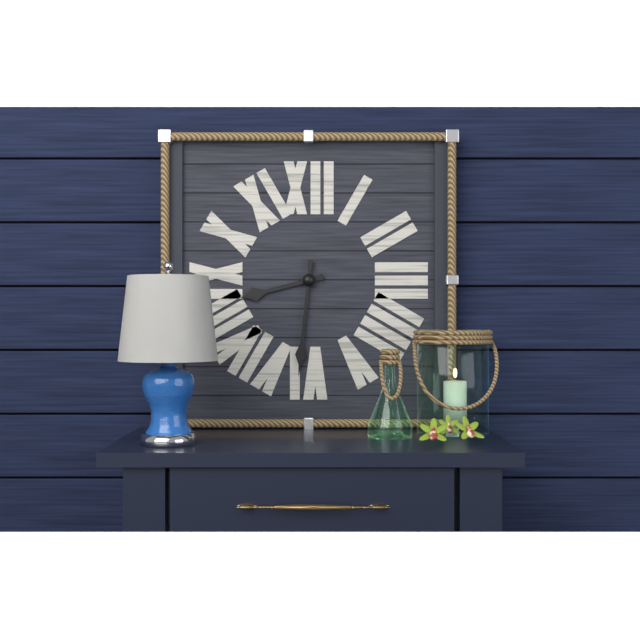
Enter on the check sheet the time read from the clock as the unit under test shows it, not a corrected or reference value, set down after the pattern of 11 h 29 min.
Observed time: 8 h 31 min
